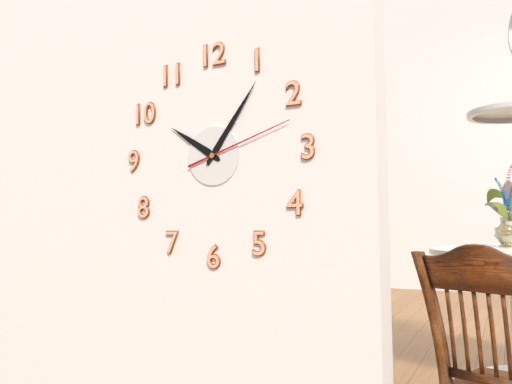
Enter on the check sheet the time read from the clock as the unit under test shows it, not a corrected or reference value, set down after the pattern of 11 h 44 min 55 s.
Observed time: 10 h 06 min 12 s
